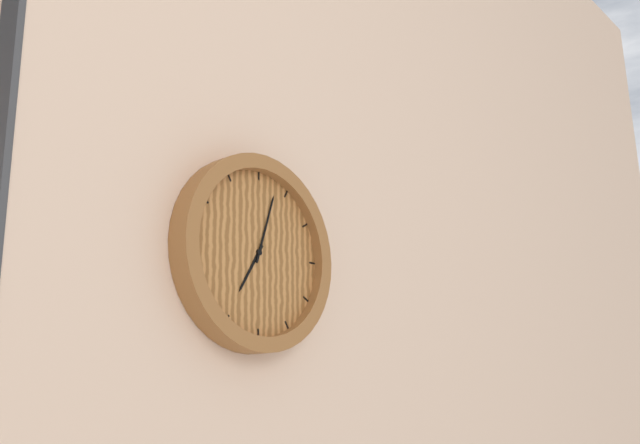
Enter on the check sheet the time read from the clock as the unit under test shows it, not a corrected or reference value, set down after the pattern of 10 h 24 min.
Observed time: 7 h 03 min
